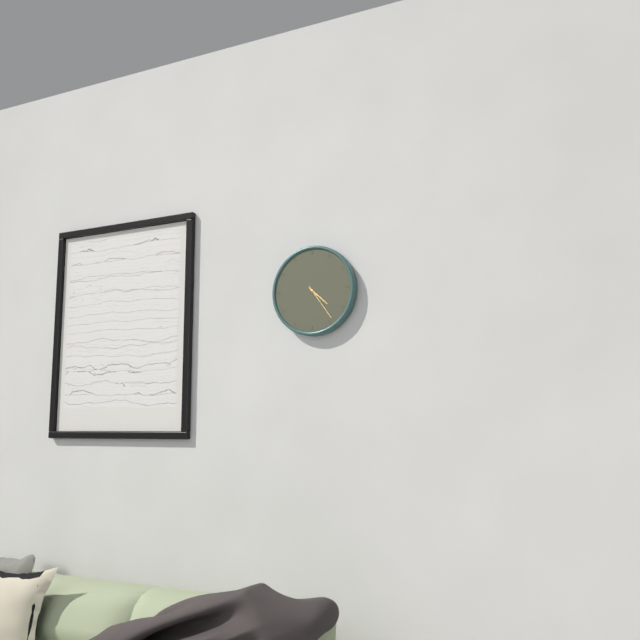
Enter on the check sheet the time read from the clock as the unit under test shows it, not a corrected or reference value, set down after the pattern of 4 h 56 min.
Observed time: 4 h 24 min
